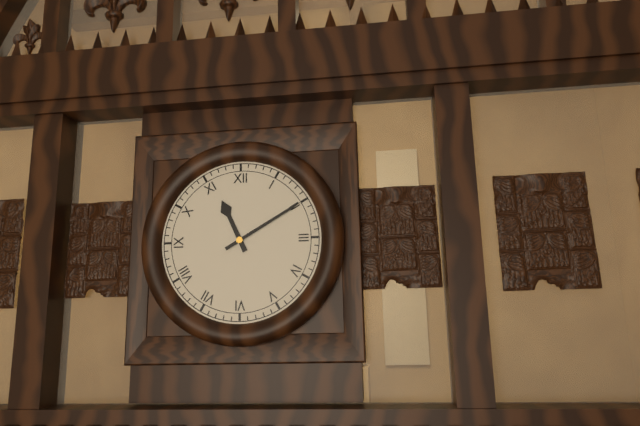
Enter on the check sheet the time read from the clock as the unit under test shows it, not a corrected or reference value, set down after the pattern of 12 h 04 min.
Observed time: 11 h 10 min
